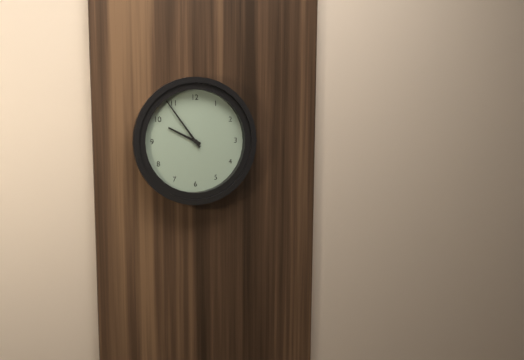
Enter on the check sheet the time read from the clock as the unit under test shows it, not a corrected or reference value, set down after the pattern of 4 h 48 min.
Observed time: 9 h 54 min
